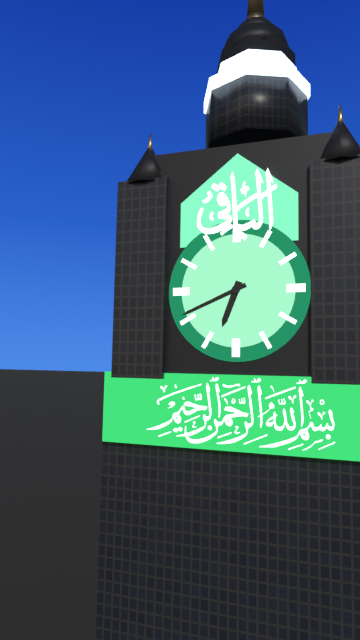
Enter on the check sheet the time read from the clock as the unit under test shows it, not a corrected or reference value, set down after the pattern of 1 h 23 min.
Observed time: 6 h 41 min
